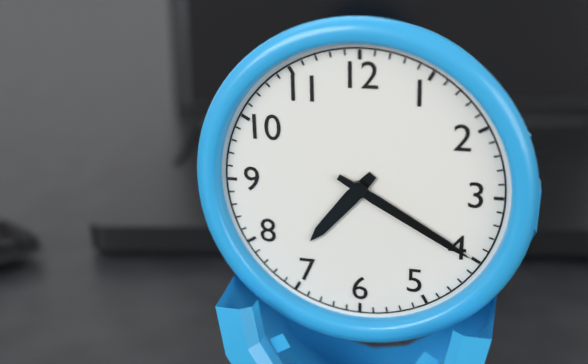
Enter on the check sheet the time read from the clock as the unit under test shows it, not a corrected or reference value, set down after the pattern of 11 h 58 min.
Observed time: 7 h 20 min
